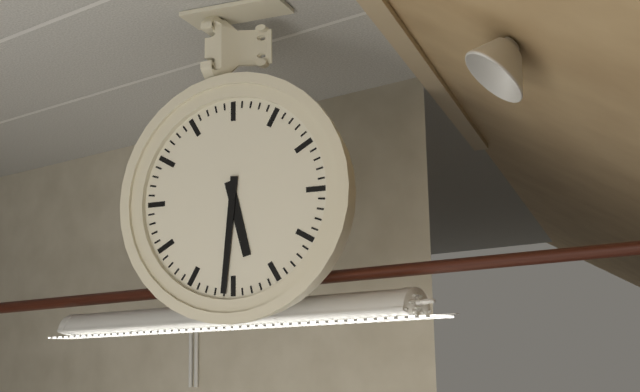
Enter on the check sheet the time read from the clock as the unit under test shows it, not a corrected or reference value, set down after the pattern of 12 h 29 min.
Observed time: 5 h 31 min
